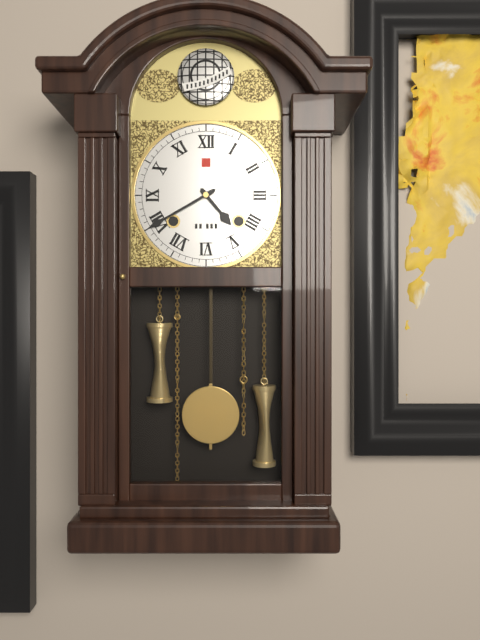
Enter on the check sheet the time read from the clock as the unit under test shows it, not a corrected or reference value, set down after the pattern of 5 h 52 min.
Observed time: 4 h 40 min
